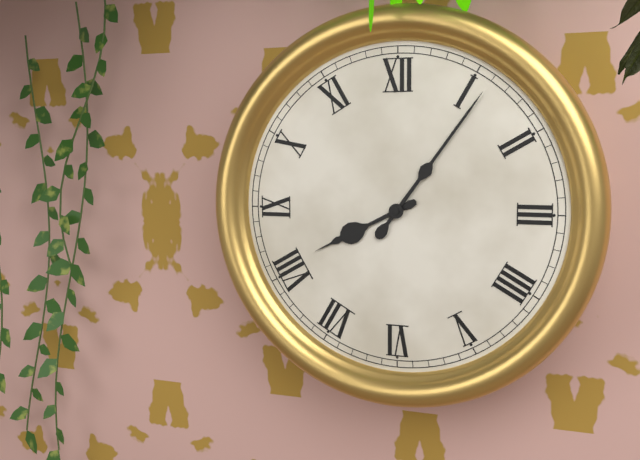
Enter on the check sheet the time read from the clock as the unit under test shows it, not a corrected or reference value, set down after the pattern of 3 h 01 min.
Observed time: 8 h 06 min
